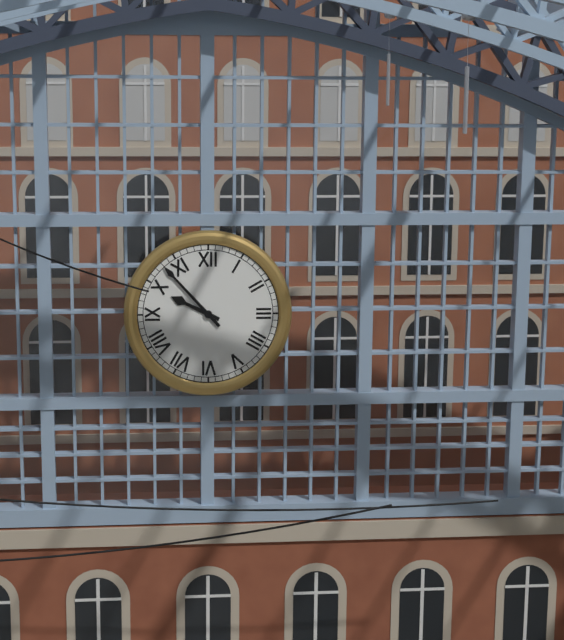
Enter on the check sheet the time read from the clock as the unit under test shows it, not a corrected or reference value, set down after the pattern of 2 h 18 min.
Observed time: 9 h 53 min
